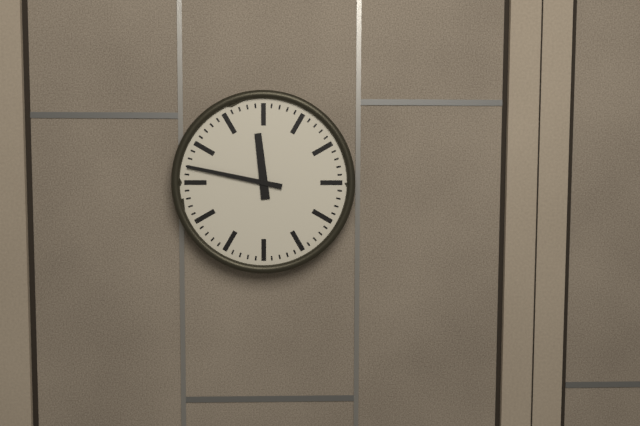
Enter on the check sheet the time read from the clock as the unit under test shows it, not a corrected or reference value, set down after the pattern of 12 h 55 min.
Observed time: 11 h 47 min
